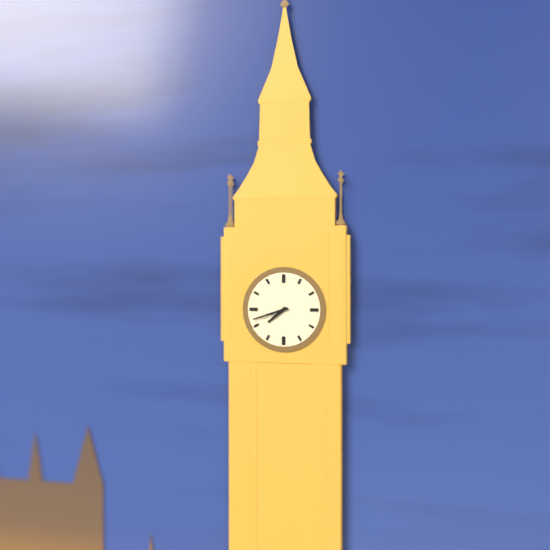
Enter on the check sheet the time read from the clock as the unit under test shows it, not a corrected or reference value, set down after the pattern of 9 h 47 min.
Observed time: 7 h 42 min
